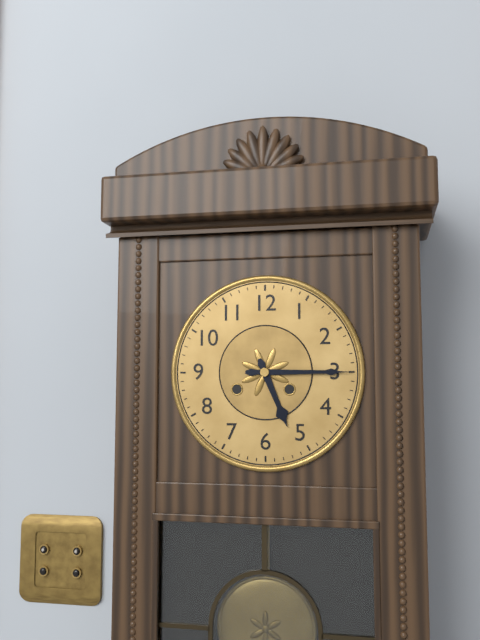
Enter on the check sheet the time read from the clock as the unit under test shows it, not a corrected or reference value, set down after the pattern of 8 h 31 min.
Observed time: 5 h 15 min
